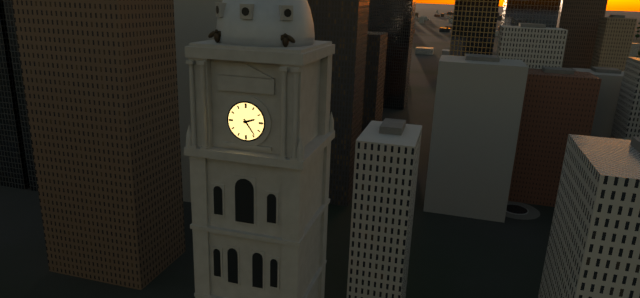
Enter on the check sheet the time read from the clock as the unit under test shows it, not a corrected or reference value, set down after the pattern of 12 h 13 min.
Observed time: 2 h 24 min
